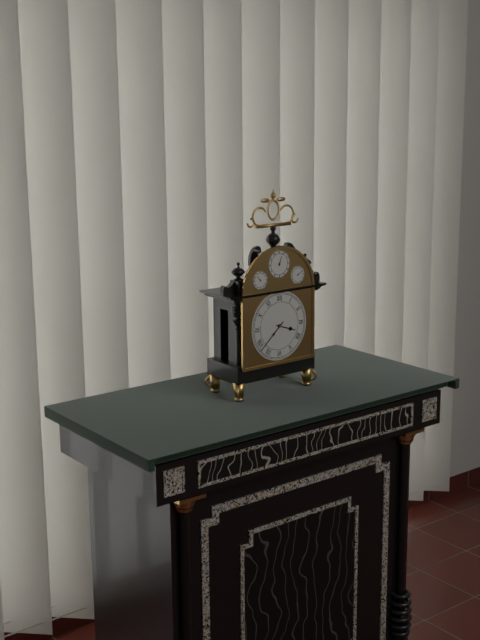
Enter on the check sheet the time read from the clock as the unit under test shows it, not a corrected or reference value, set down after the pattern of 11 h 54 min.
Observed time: 3 h 38 min
